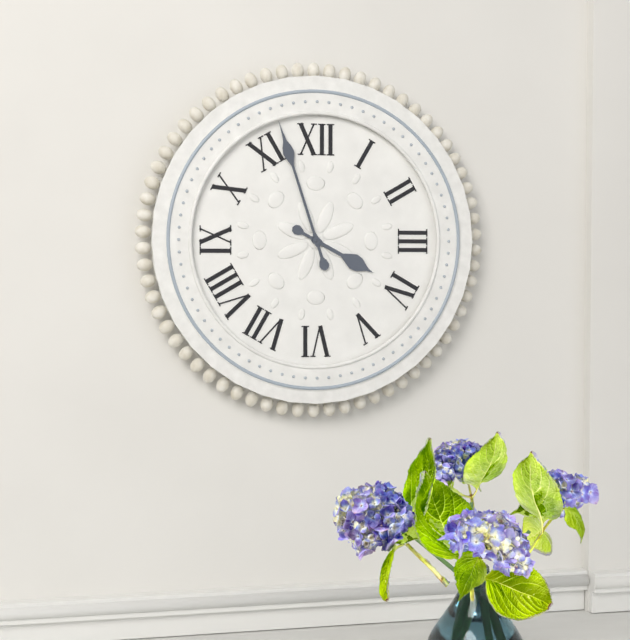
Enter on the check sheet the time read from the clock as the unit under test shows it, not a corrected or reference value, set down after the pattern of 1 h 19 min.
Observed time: 3 h 57 min
